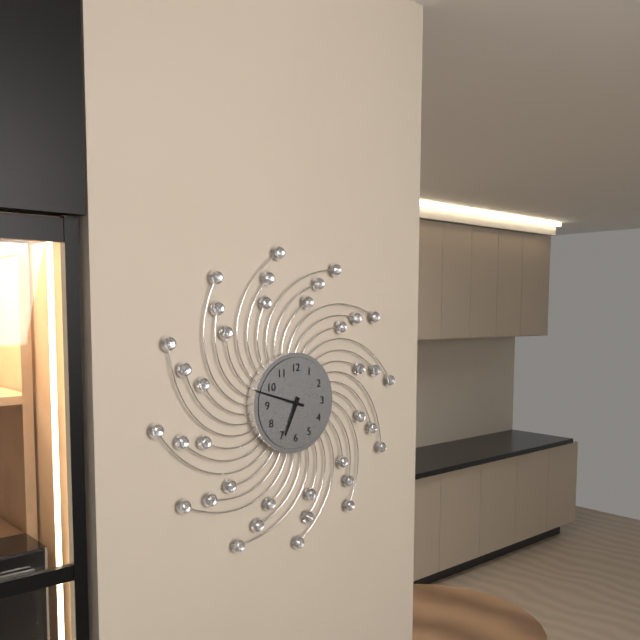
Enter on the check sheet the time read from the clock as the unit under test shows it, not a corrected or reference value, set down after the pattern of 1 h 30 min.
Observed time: 6 h 48 min
